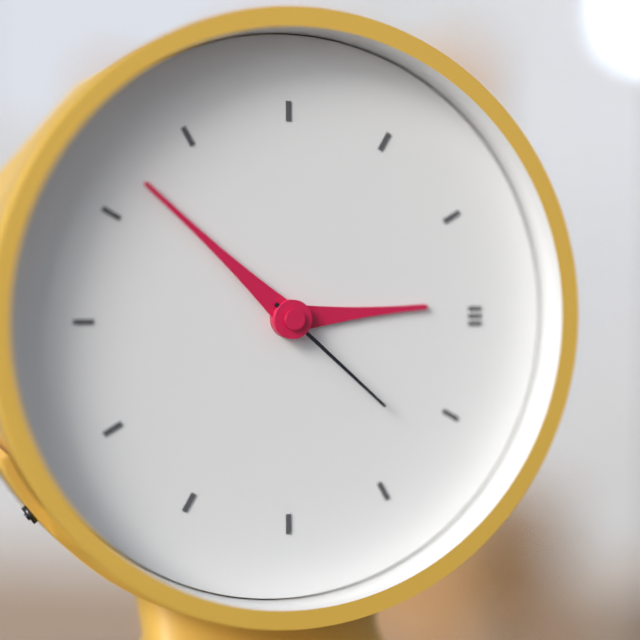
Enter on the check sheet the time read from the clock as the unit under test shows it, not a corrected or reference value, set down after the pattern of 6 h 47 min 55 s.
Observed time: 2 h 52 min 22 s
